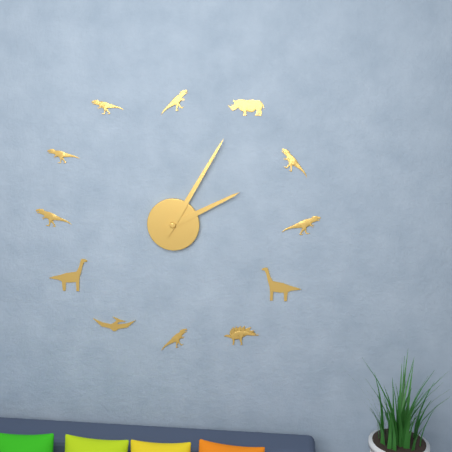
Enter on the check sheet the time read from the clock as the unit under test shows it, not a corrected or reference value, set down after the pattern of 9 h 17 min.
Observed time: 2 h 05 min
